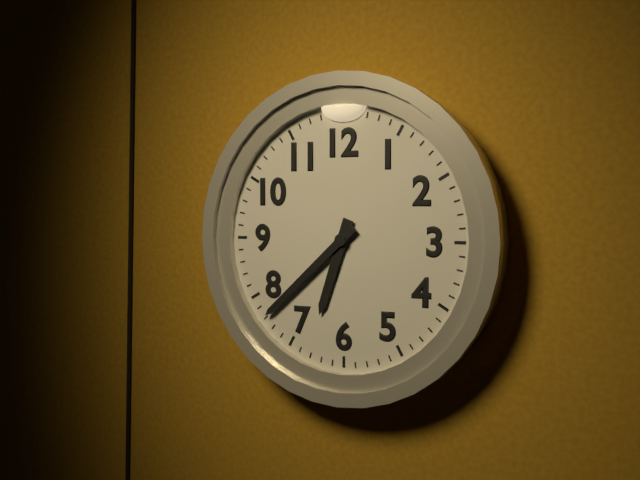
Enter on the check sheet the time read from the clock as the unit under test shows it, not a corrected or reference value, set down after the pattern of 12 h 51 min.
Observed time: 6 h 38 min
